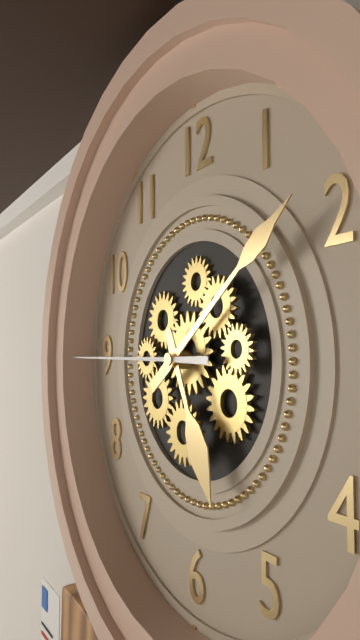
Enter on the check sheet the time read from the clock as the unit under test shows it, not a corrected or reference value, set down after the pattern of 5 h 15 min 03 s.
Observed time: 5 h 09 min 45 s
